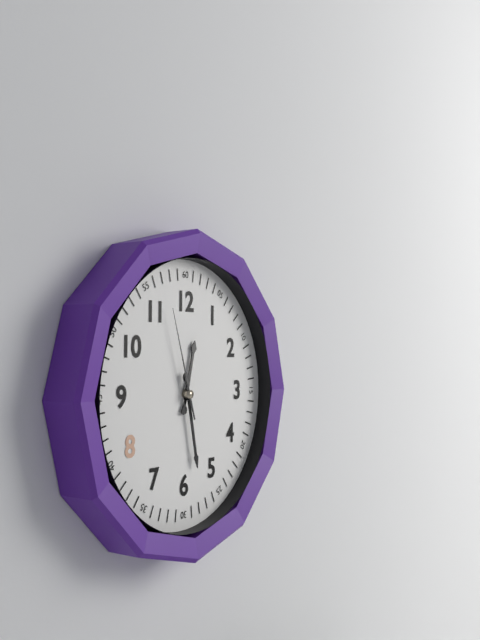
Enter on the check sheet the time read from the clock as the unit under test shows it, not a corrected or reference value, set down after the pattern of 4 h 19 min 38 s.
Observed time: 12 h 28 min 57 s
